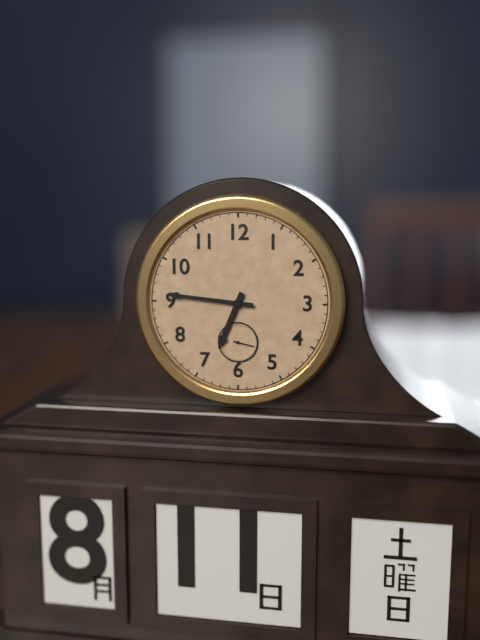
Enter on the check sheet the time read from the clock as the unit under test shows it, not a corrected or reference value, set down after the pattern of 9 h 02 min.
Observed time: 6 h 46 min
